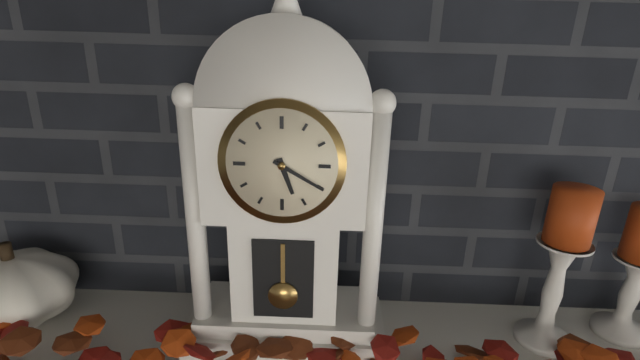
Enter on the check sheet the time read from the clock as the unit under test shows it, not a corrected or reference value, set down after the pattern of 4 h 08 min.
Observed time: 5 h 20 min
